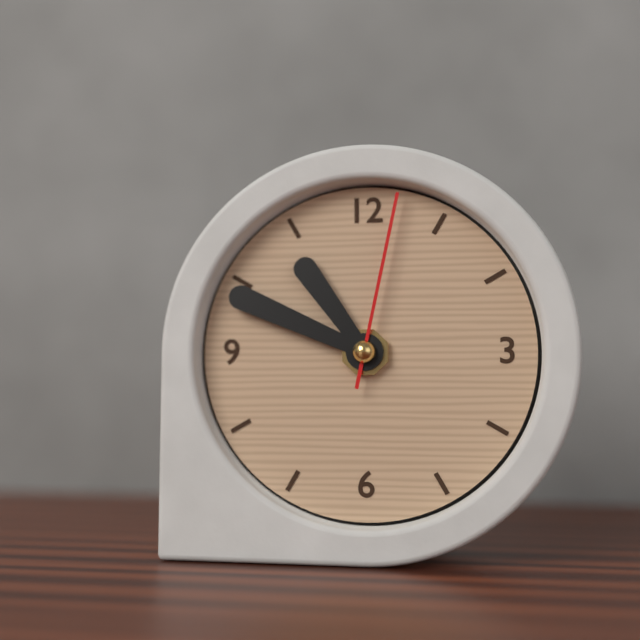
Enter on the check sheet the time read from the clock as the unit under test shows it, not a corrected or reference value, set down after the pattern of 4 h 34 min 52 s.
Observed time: 10 h 49 min 02 s
